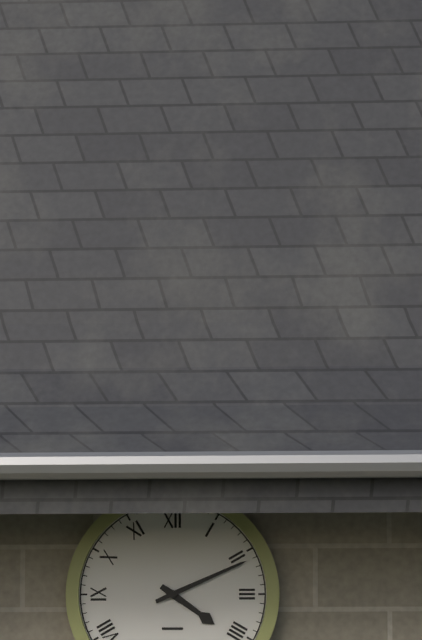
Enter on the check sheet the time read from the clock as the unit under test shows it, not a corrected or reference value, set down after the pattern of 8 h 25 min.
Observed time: 4 h 11 min
